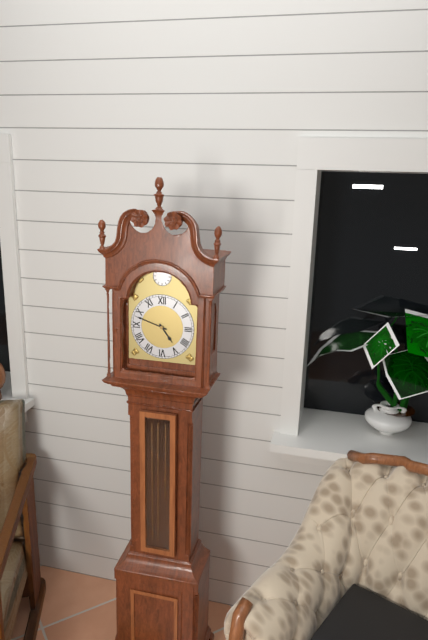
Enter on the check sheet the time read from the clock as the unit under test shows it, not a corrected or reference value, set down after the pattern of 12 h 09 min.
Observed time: 4 h 48 min
